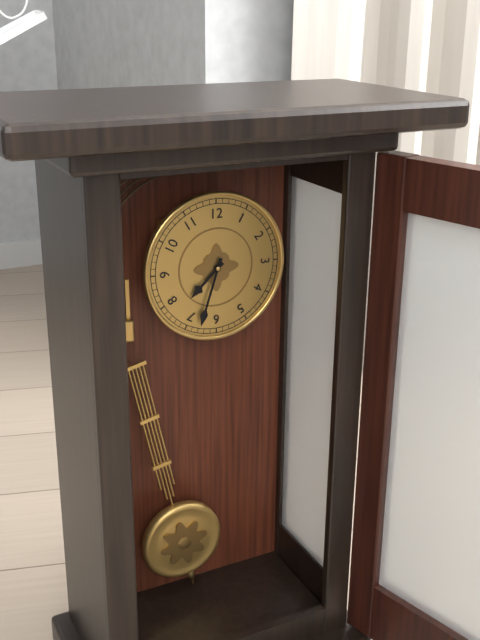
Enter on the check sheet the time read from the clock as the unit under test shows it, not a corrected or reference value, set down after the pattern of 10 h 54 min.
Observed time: 7 h 33 min
